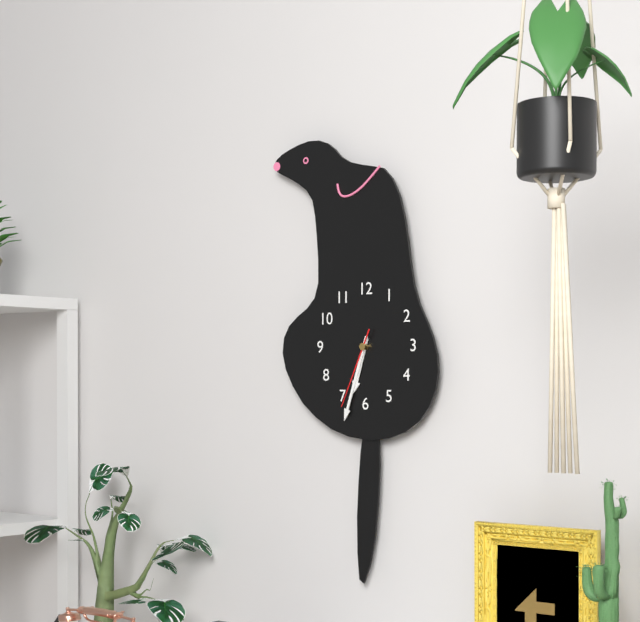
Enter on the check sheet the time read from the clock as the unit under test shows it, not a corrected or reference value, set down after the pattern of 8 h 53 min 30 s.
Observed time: 6 h 33 min 34 s
